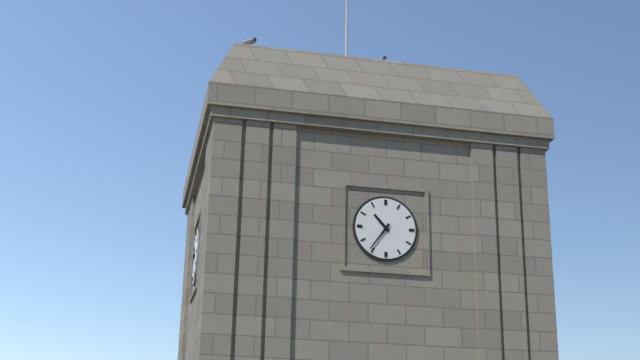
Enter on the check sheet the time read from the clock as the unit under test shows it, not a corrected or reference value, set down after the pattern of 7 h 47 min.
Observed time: 10 h 36 min
